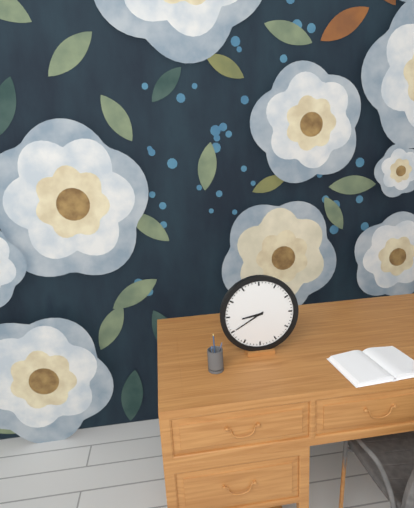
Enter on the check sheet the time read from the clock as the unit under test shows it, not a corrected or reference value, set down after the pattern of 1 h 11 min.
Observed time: 8 h 40 min
